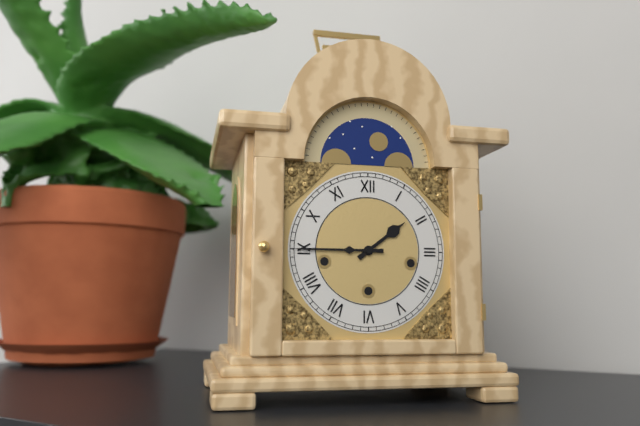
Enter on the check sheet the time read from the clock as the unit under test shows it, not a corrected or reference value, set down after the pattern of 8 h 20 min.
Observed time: 1 h 45 min
